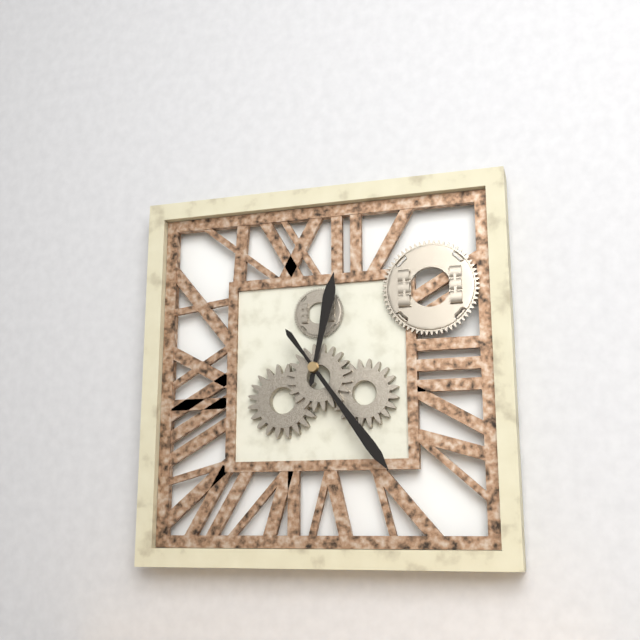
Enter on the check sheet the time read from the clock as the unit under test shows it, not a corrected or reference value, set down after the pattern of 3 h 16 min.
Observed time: 12 h 24 min
